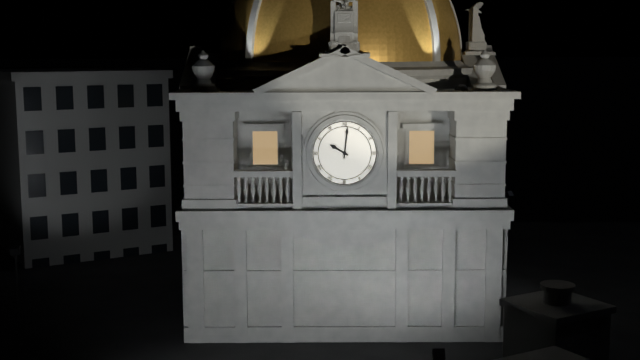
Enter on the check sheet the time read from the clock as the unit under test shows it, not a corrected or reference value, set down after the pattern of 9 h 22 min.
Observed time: 10 h 01 min
